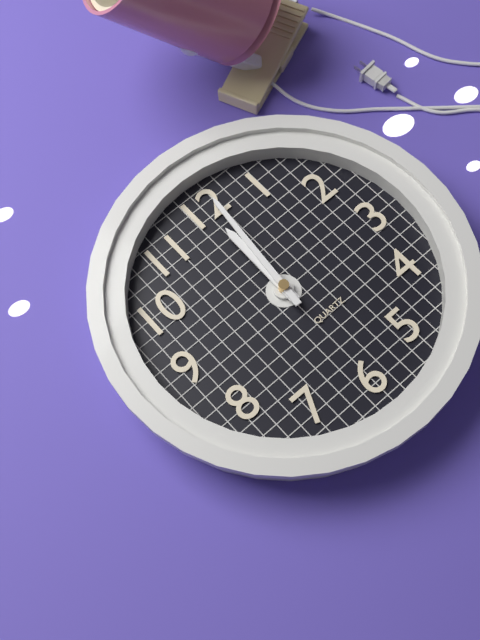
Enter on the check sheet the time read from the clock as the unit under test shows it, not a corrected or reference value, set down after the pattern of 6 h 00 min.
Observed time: 12 h 01 min
